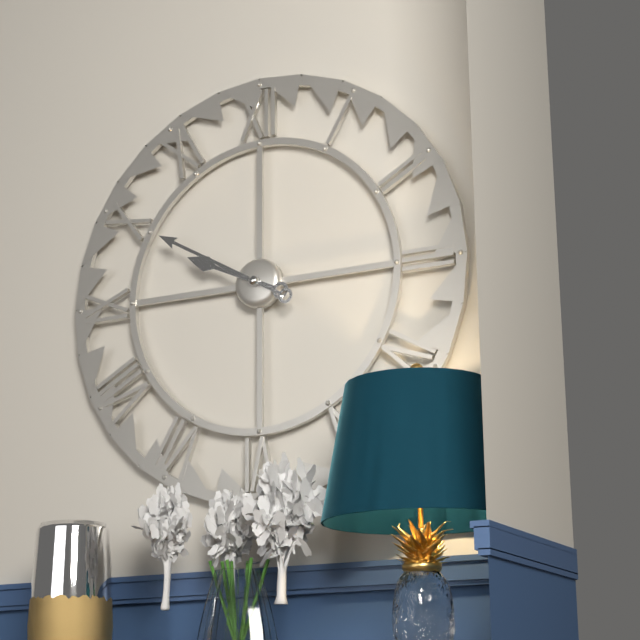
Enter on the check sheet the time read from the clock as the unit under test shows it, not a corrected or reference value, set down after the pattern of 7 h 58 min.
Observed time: 9 h 50 min
